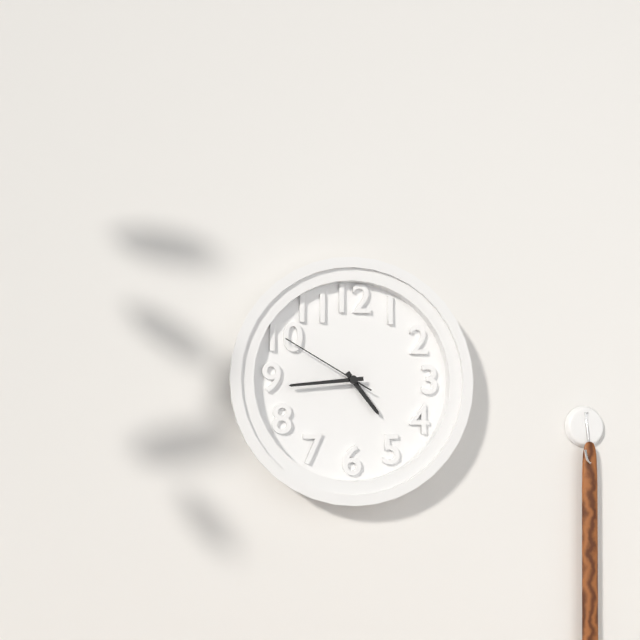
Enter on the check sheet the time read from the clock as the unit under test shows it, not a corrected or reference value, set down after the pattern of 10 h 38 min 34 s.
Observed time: 4 h 44 min 50 s
